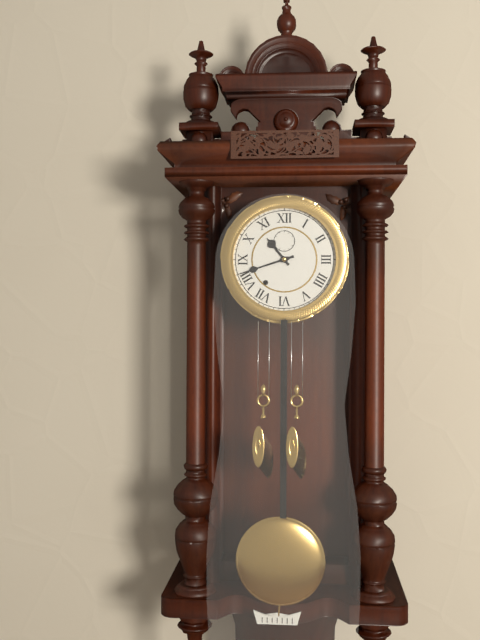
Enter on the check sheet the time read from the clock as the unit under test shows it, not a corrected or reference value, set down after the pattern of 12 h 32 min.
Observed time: 10 h 42 min
